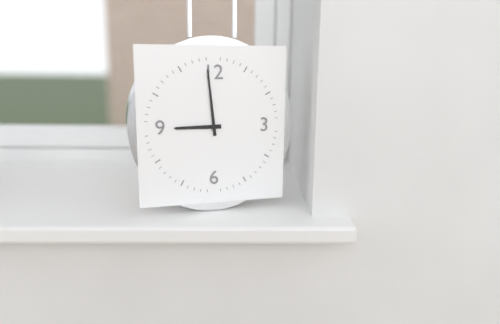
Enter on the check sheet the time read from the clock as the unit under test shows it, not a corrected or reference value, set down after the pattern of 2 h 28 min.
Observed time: 8 h 59 min
